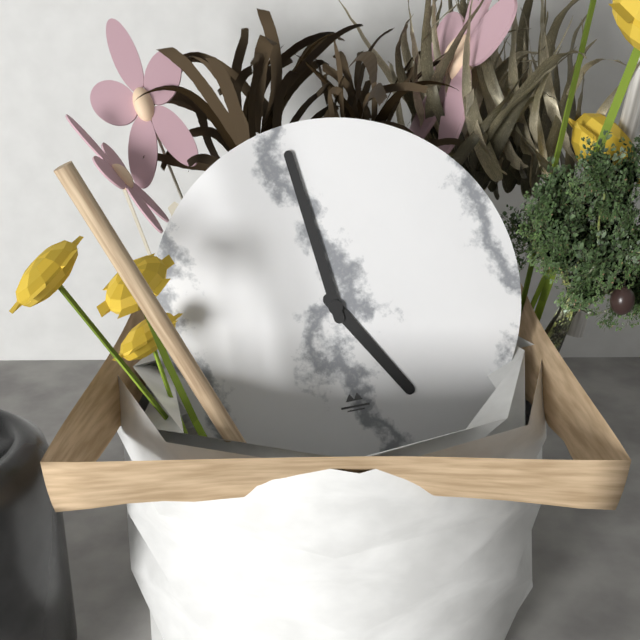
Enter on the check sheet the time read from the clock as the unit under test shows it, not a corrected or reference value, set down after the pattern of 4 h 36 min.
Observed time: 4 h 59 min
